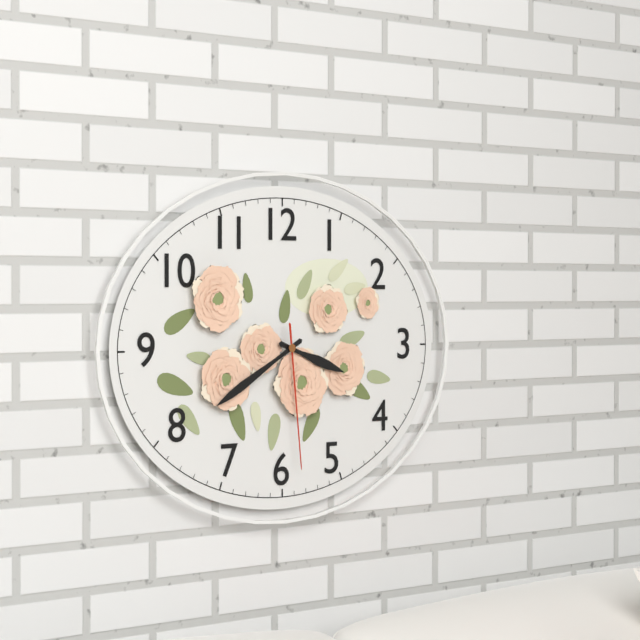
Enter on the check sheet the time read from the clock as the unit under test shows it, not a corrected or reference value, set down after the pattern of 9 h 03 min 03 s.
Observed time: 3 h 40 min 29 s
